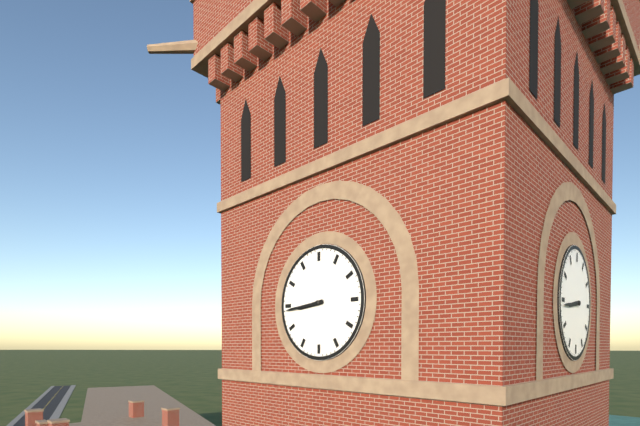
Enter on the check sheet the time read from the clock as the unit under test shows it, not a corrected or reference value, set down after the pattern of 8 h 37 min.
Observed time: 8 h 44 min
